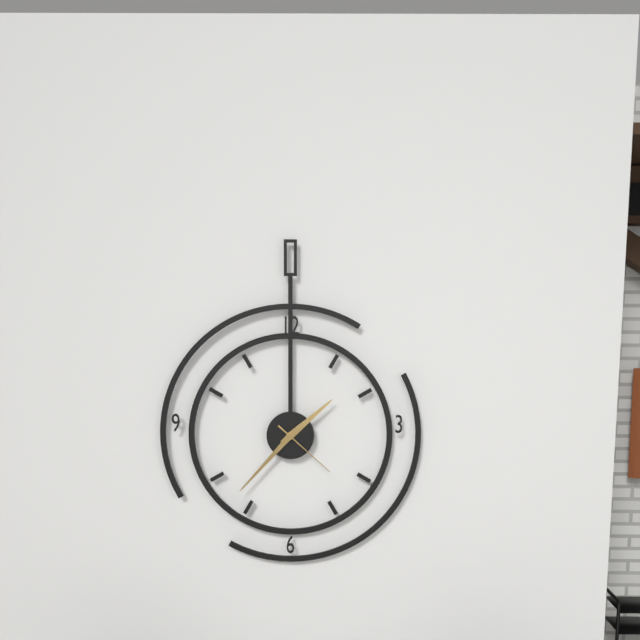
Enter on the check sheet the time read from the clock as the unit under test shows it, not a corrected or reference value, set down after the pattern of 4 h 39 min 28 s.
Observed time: 1 h 37 min 22 s
